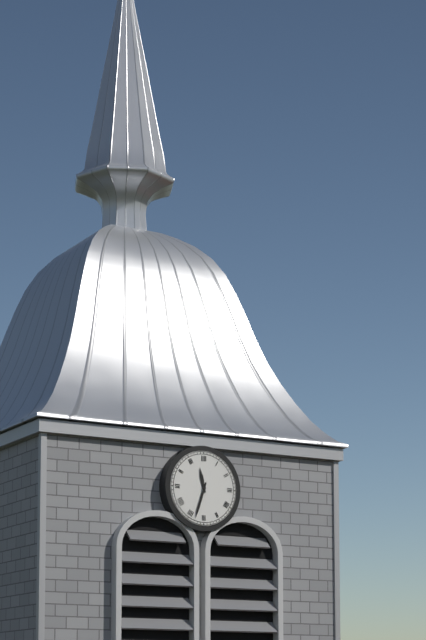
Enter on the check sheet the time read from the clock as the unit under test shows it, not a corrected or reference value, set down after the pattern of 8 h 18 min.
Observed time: 11 h 33 min
